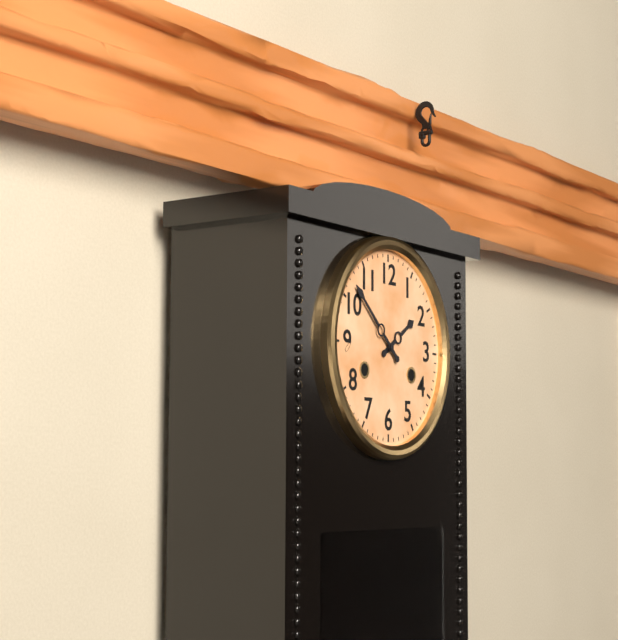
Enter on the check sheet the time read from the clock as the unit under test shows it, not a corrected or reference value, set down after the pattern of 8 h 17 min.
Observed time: 1 h 52 min
